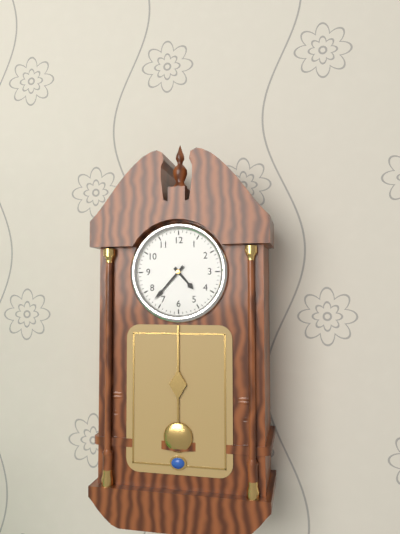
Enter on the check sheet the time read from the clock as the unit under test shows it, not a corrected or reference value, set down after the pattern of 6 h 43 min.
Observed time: 4 h 37 min
